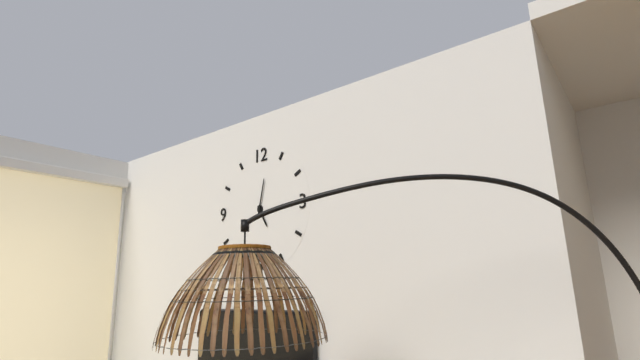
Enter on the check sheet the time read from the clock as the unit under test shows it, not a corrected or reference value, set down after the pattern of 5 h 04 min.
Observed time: 5 h 02 min
